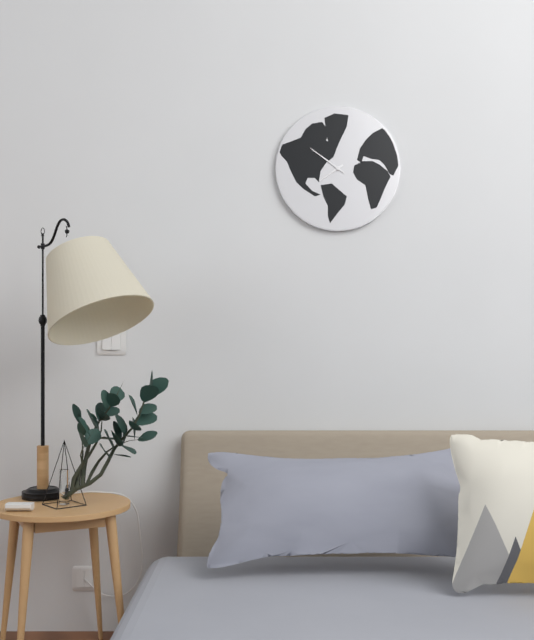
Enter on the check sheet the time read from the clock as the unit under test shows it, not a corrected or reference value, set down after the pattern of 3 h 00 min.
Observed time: 7 h 51 min
